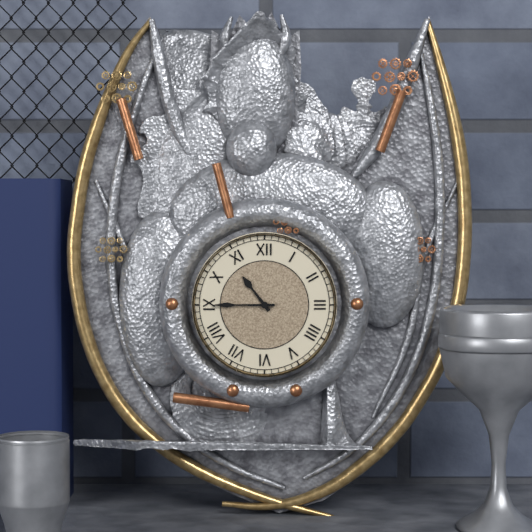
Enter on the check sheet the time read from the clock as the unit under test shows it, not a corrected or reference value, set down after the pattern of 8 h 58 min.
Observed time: 10 h 45 min
